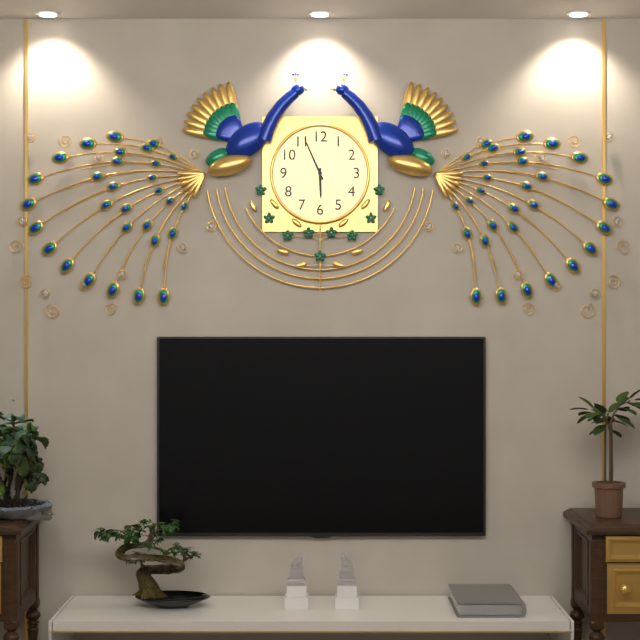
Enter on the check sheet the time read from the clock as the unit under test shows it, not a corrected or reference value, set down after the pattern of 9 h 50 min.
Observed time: 5 h 56 min
